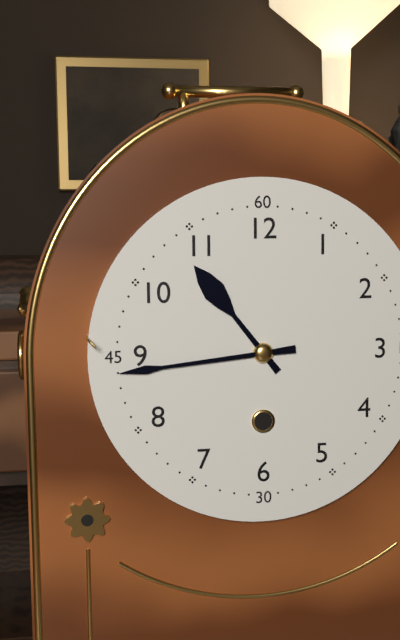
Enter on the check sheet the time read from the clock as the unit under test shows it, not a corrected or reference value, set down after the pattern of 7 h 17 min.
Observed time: 10 h 44 min
